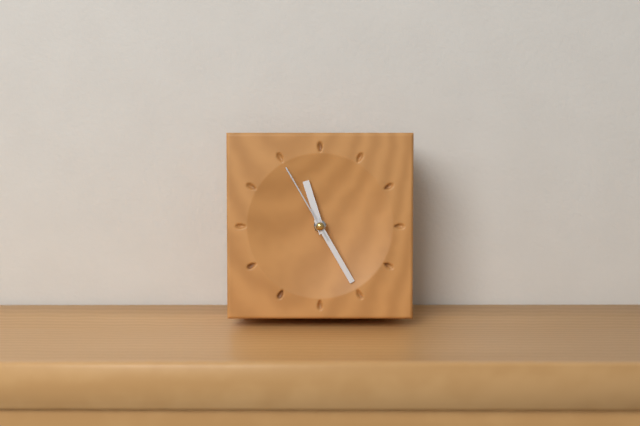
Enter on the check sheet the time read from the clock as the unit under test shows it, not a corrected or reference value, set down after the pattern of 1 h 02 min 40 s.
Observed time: 11 h 25 min 55 s
